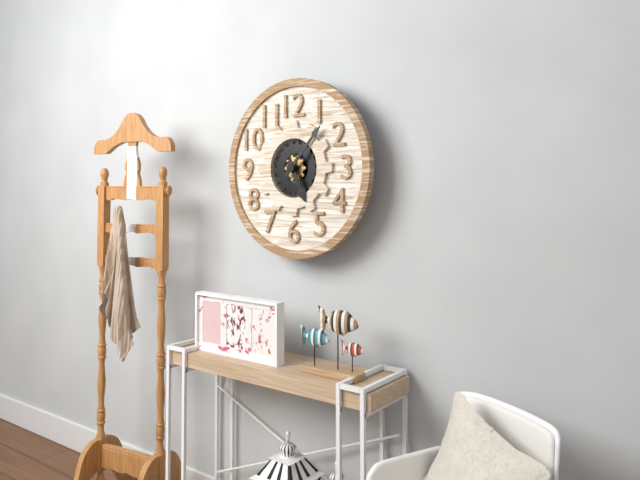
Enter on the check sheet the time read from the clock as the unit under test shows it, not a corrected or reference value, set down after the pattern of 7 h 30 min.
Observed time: 5 h 07 min
